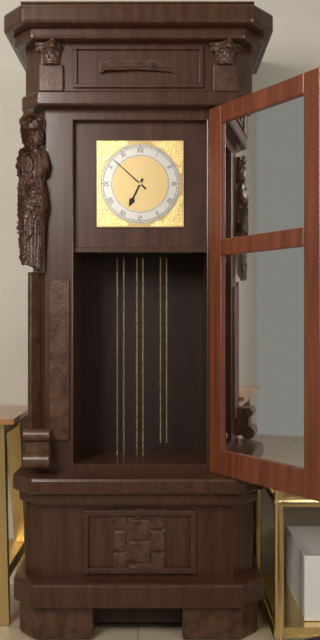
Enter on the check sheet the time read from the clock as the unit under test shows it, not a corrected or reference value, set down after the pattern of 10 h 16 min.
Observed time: 6 h 52 min
